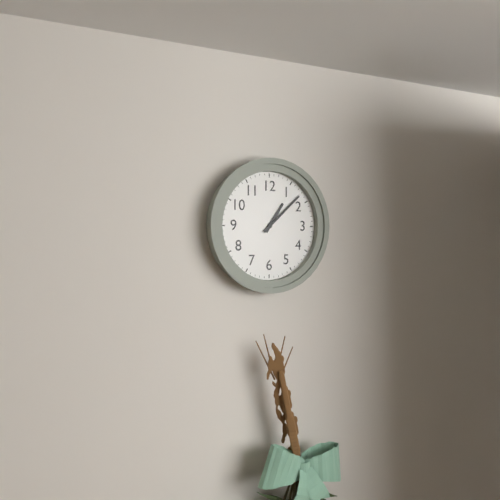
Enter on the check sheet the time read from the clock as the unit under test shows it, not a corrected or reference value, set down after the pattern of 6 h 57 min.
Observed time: 1 h 08 min
